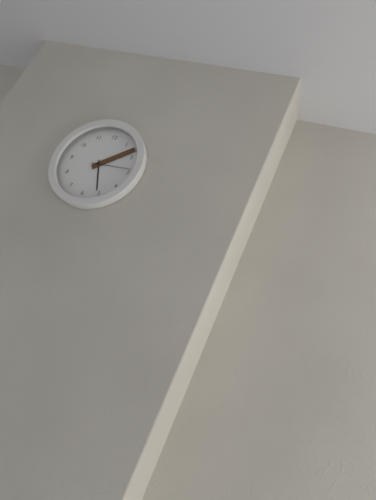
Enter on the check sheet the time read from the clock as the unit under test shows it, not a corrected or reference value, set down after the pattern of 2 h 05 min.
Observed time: 5 h 08 min
